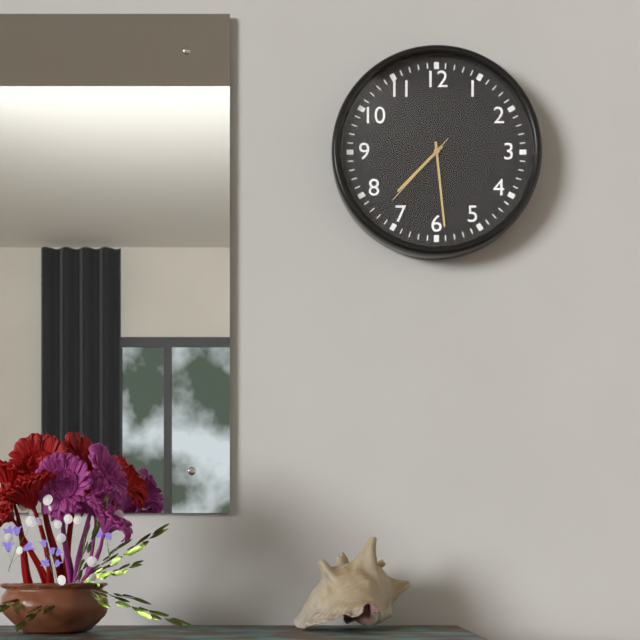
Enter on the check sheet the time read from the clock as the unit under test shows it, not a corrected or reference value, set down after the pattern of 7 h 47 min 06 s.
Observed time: 7 h 29 min 37 s
